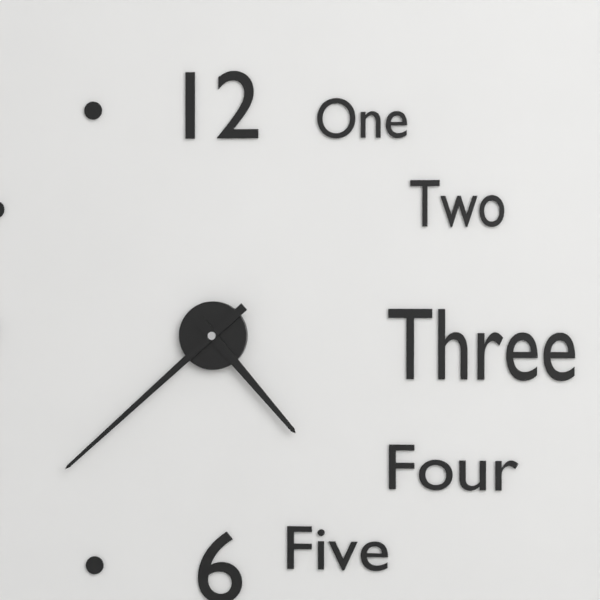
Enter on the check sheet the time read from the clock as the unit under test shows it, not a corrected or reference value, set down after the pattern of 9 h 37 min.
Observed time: 4 h 38 min
